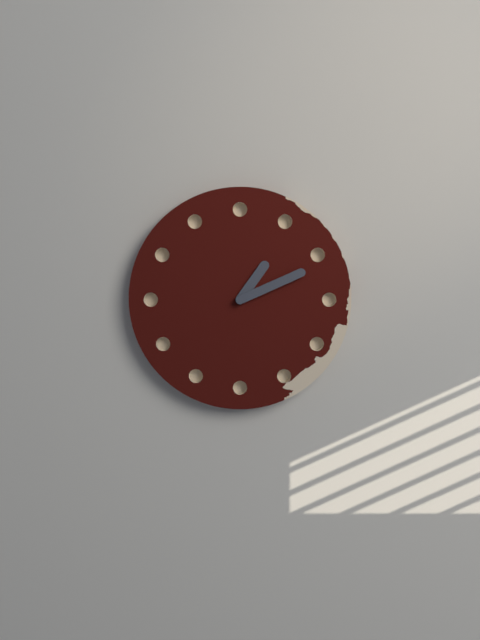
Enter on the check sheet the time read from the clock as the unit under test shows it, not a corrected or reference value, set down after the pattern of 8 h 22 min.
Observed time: 1 h 11 min
